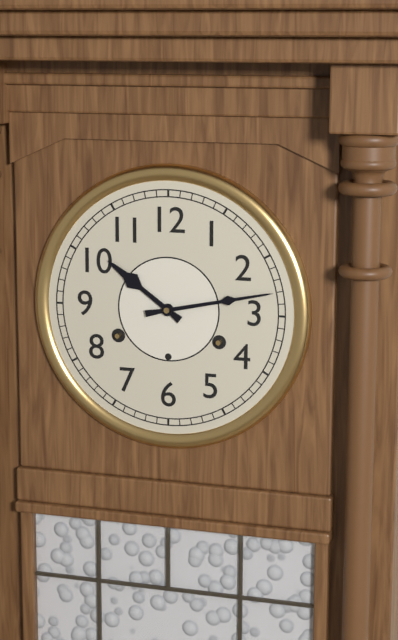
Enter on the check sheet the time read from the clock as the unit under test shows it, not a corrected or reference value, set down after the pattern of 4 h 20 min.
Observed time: 10 h 13 min
